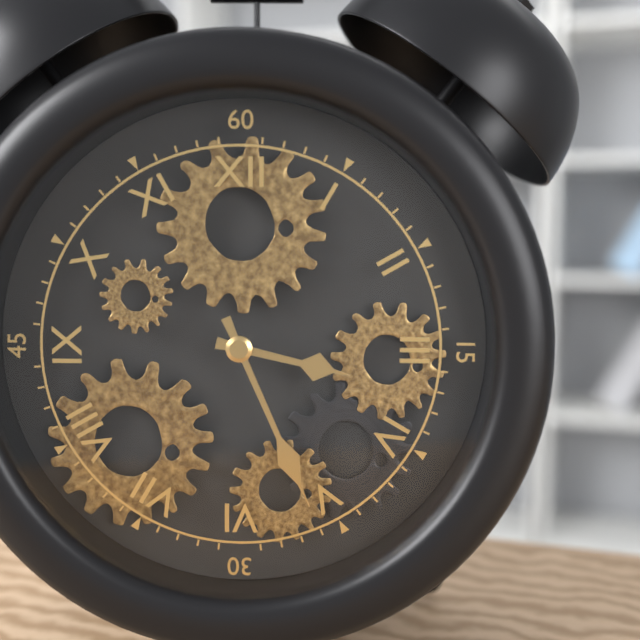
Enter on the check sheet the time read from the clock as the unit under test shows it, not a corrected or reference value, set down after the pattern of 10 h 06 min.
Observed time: 3 h 26 min
